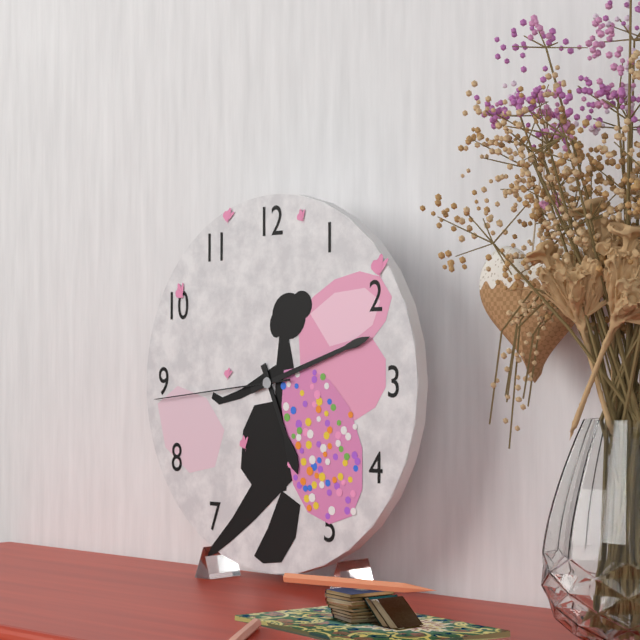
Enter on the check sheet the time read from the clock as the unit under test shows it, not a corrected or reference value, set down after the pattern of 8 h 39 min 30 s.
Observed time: 5 h 12 min 44 s
